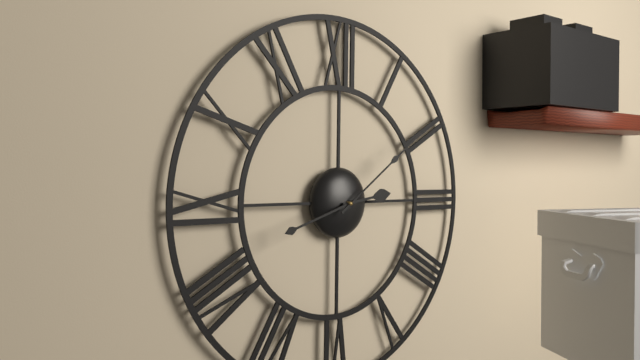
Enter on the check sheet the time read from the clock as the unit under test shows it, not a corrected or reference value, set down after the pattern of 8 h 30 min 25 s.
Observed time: 2 h 42 min 09 s
